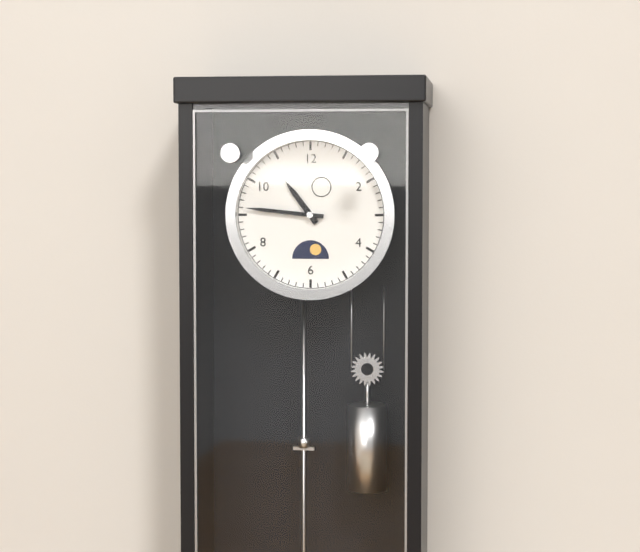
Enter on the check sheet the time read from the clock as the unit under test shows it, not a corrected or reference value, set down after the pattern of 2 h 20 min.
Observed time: 10 h 46 min
